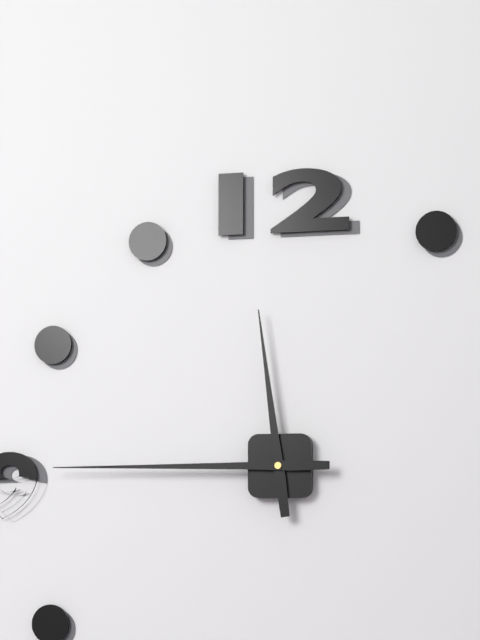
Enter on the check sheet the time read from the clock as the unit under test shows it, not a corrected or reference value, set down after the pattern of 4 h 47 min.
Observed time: 11 h 45 min
